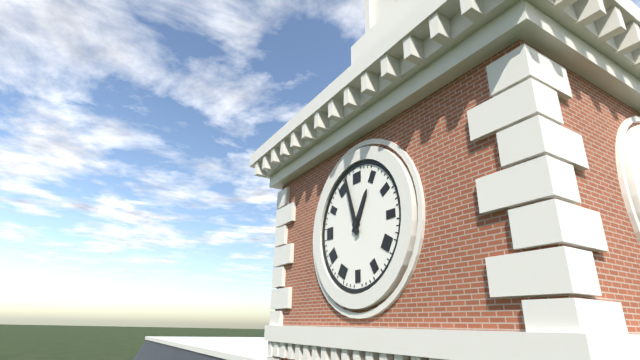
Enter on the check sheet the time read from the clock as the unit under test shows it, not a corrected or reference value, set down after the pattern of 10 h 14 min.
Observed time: 12 h 57 min
